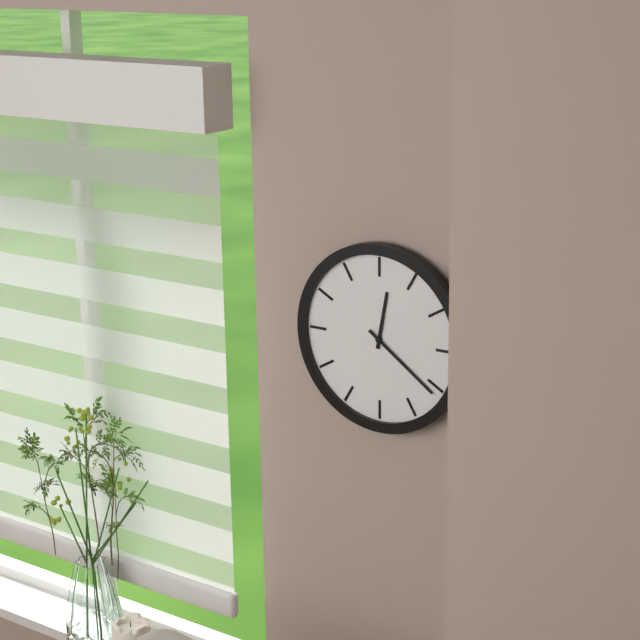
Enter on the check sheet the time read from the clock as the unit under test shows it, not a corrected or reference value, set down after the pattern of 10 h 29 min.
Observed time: 12 h 21 min
